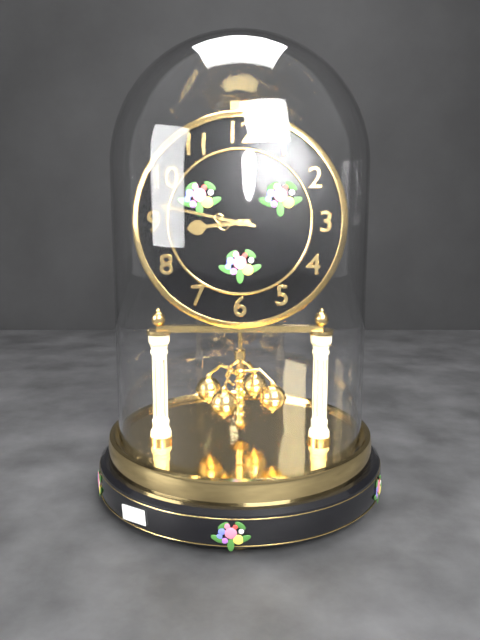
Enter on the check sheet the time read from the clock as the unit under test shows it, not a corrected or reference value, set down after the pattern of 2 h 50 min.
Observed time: 8 h 47 min
